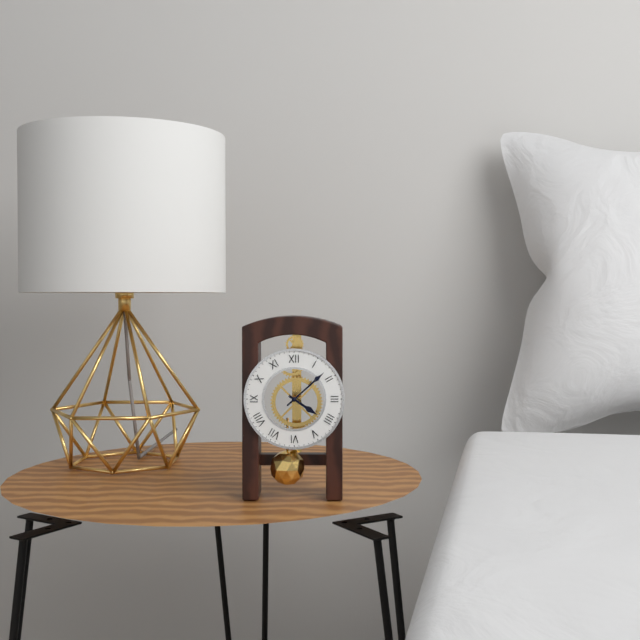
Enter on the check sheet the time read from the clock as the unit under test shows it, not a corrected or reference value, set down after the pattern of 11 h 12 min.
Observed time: 4 h 08 min
